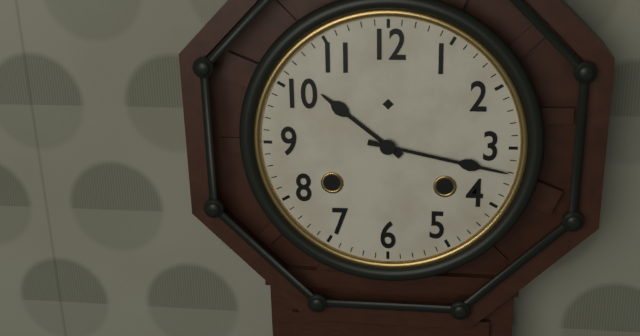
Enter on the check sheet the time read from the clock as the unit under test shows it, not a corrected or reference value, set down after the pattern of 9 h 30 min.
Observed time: 10 h 17 min
